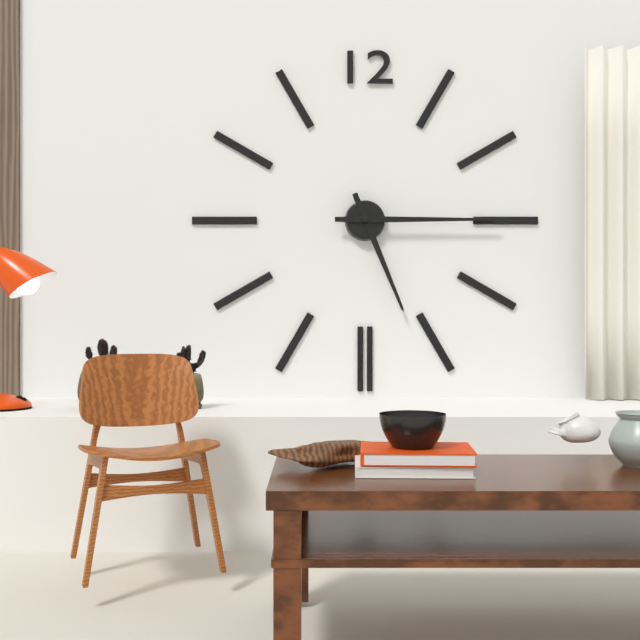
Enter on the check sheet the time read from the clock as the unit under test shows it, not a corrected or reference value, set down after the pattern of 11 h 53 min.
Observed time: 5 h 15 min
